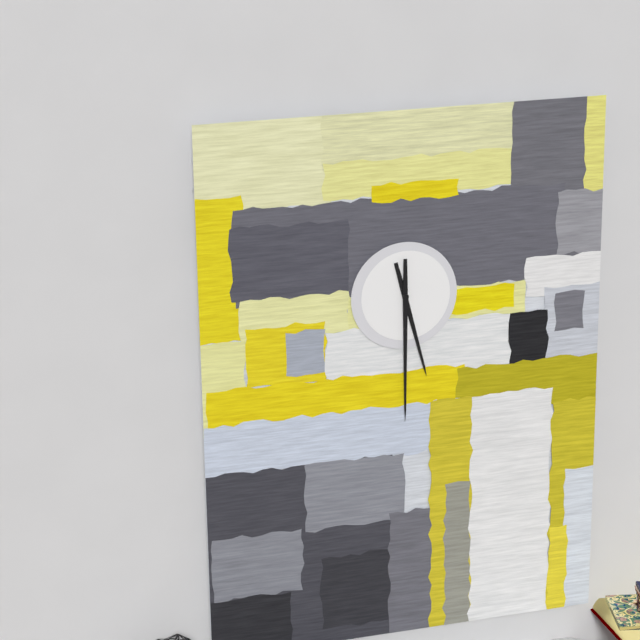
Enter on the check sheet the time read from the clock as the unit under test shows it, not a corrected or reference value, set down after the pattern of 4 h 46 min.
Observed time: 5 h 30 min
